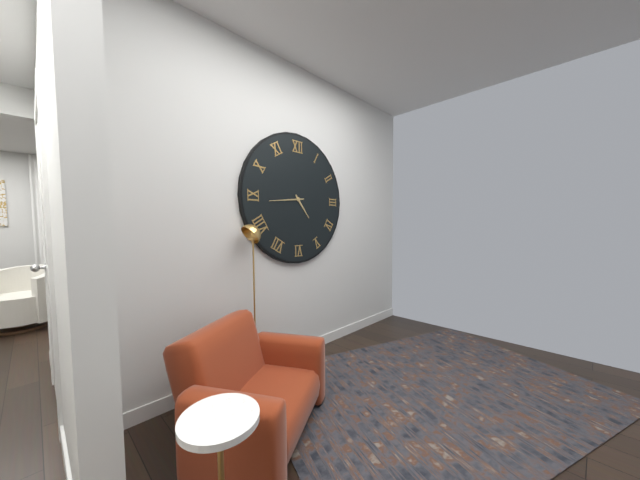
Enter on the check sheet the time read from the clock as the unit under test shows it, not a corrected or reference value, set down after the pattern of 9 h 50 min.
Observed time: 4 h 44 min
